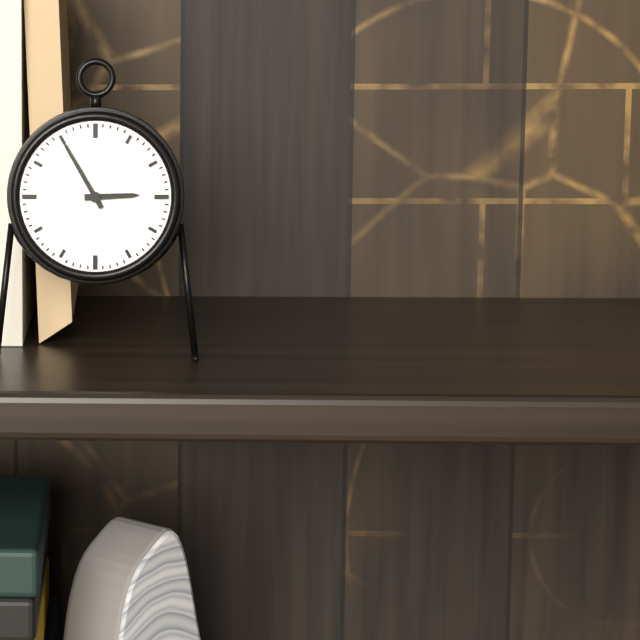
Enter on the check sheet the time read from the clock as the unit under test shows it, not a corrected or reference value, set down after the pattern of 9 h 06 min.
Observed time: 2 h 55 min
